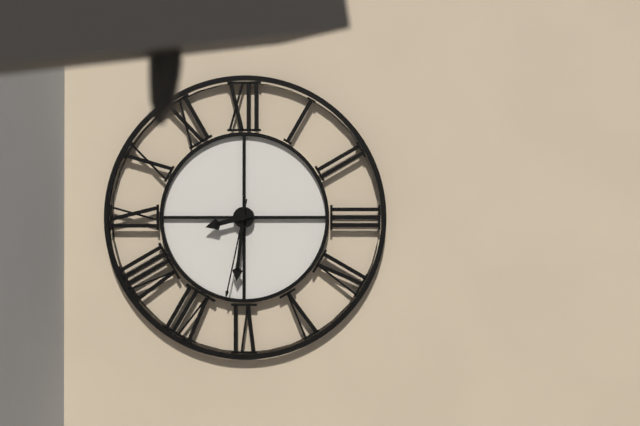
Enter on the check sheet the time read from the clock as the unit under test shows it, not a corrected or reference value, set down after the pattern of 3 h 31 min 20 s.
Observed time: 8 h 31 min 32 s
